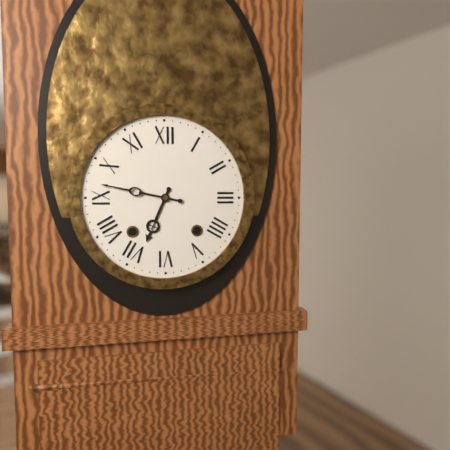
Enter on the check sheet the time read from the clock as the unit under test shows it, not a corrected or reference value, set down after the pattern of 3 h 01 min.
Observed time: 6 h 47 min
